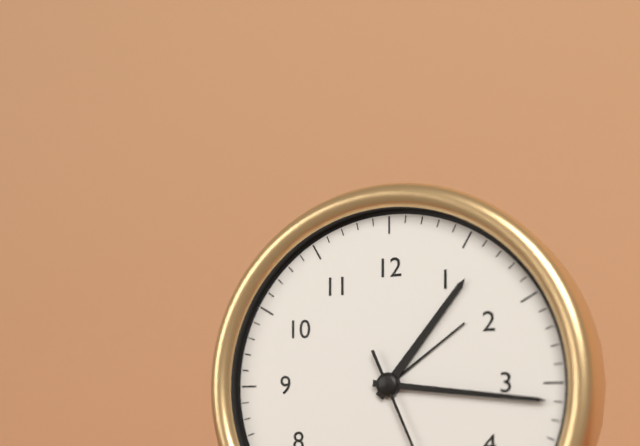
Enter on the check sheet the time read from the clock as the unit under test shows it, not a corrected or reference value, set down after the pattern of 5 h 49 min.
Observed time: 1 h 16 min
